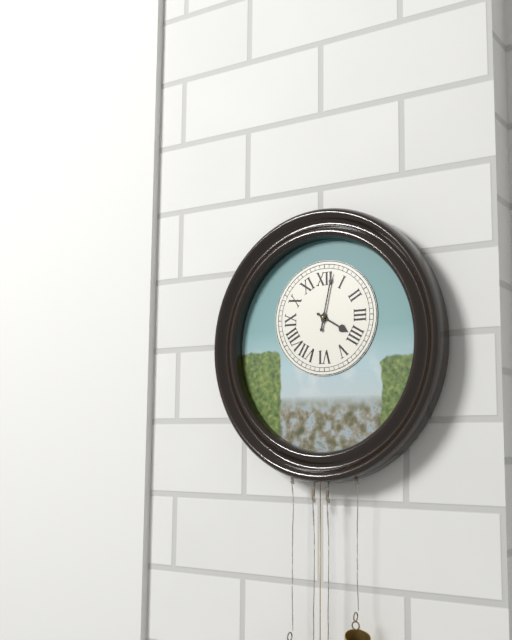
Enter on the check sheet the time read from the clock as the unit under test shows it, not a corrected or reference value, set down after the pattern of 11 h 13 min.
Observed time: 4 h 02 min
